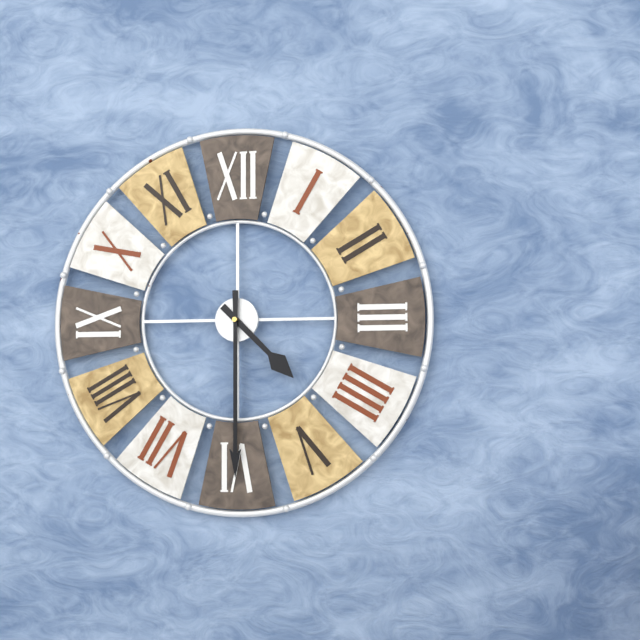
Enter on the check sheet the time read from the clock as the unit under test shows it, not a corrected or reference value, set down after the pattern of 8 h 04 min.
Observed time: 4 h 30 min
